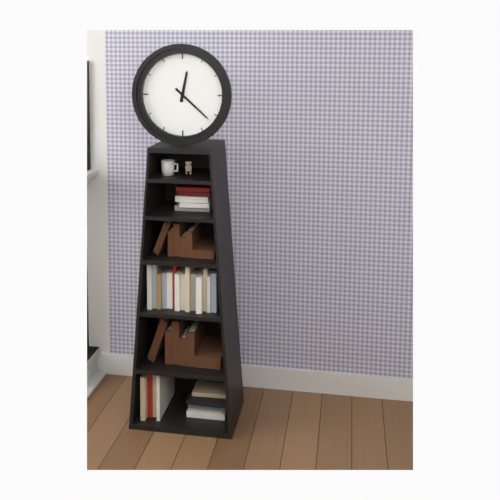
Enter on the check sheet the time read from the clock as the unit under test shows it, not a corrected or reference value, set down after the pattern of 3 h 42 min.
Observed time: 12 h 22 min
